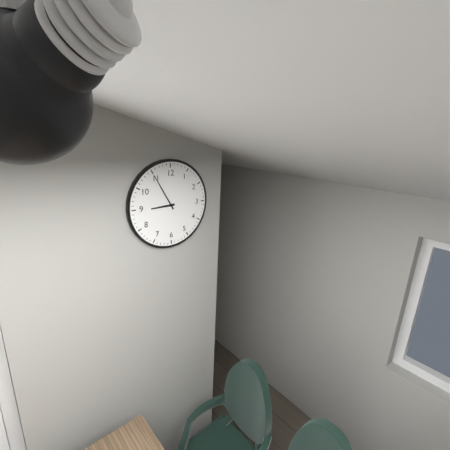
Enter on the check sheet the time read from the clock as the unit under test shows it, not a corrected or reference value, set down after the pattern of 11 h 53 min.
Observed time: 8 h 55 min
